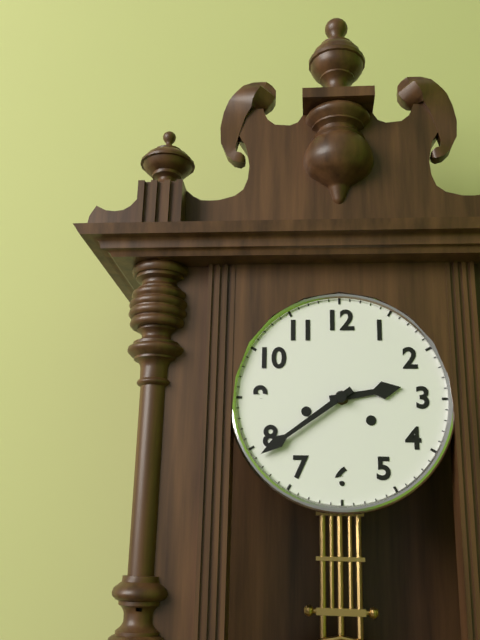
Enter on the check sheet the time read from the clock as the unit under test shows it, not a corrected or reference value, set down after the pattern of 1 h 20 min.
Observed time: 2 h 39 min
